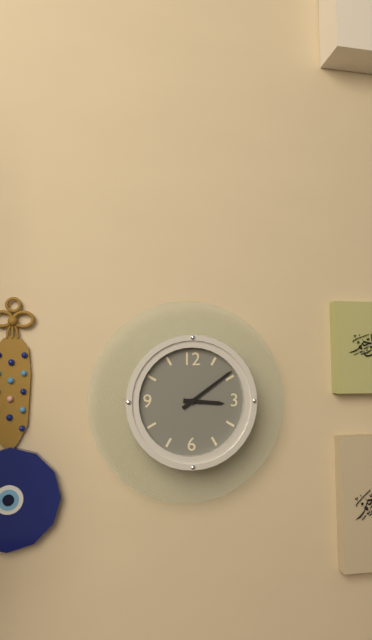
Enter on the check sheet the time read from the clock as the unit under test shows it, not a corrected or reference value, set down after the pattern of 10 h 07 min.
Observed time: 3 h 09 min
